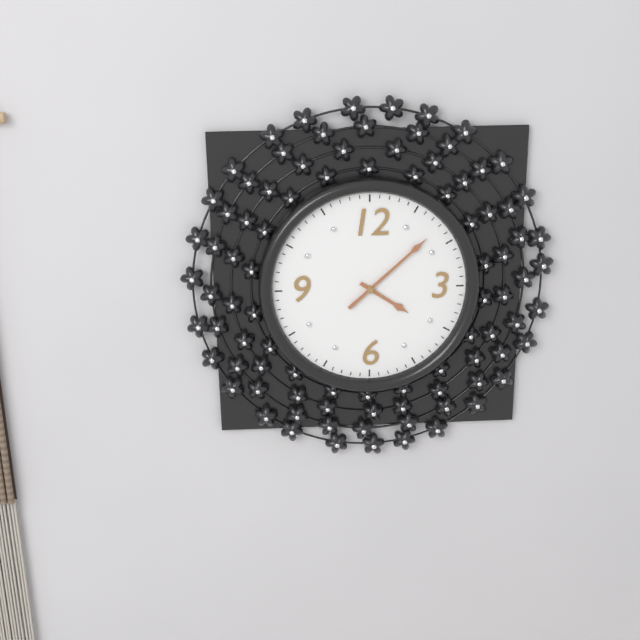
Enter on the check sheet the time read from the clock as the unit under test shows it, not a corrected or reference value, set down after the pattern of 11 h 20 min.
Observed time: 4 h 08 min
